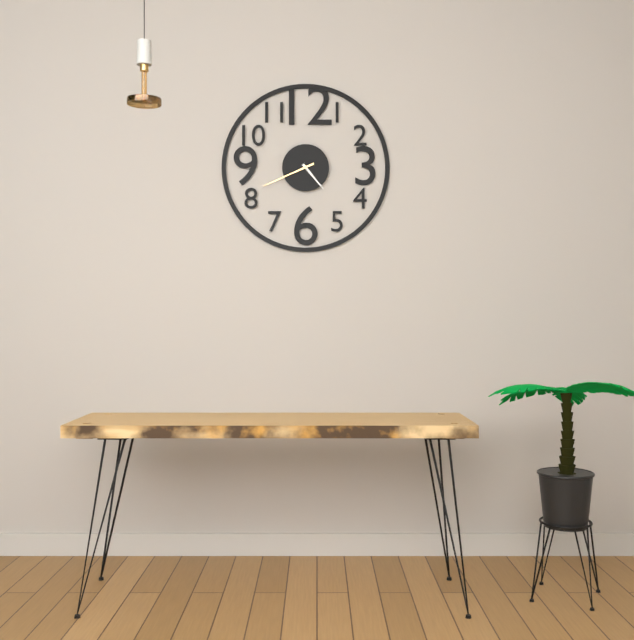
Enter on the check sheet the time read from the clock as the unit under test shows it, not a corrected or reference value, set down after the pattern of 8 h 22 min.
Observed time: 4 h 41 min
